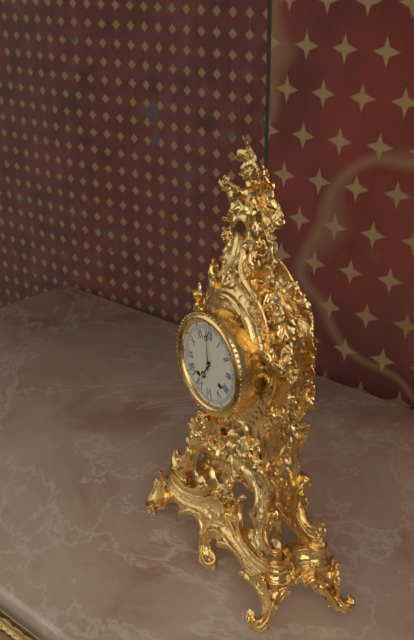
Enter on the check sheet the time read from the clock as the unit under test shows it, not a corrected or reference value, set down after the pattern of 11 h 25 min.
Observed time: 6 h 59 min
